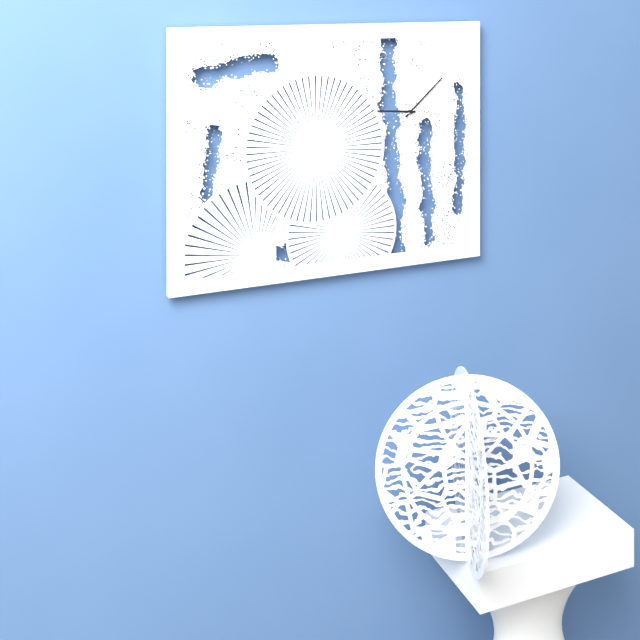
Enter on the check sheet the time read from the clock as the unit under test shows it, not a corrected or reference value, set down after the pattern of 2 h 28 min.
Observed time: 9 h 08 min
